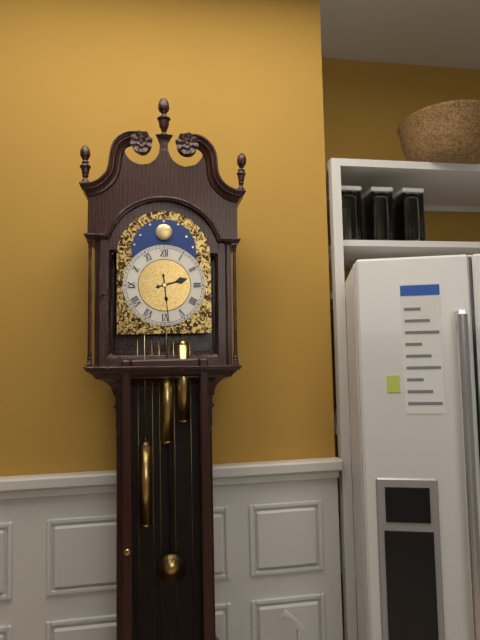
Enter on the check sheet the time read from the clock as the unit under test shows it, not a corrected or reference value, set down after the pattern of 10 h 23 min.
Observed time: 2 h 29 min
